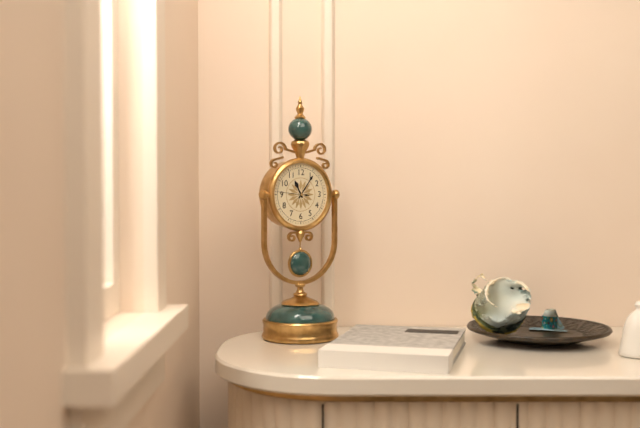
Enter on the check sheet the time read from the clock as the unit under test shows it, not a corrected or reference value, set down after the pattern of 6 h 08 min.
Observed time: 11 h 06 min
